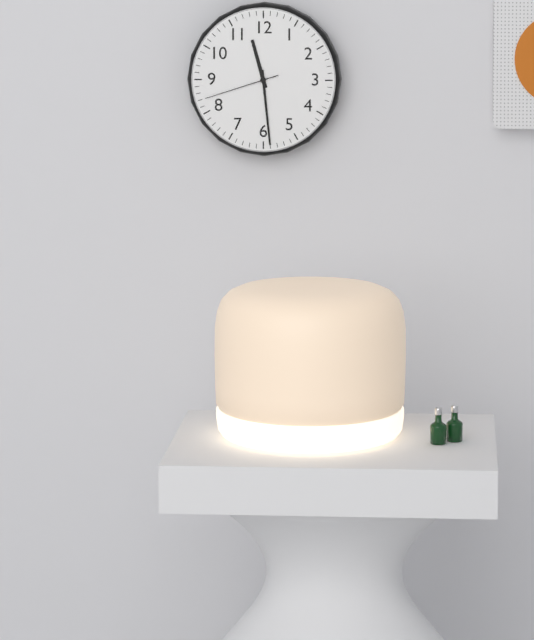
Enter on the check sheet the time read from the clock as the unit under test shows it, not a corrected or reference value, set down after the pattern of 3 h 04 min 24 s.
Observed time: 11 h 29 min 42 s
